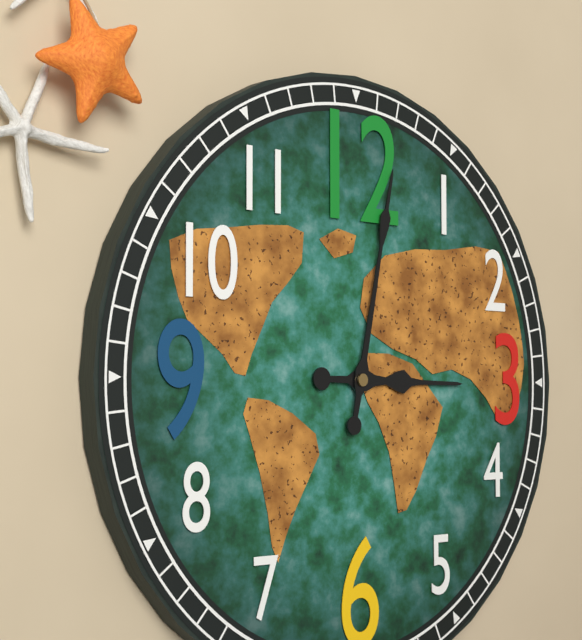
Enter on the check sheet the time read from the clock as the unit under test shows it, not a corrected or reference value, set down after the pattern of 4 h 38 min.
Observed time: 3 h 02 min
